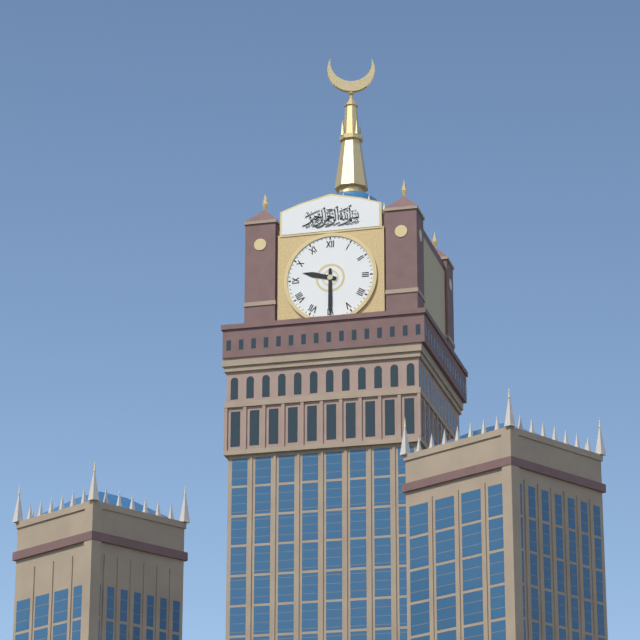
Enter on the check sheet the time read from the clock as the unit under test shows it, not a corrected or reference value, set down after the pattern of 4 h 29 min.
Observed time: 9 h 30 min
